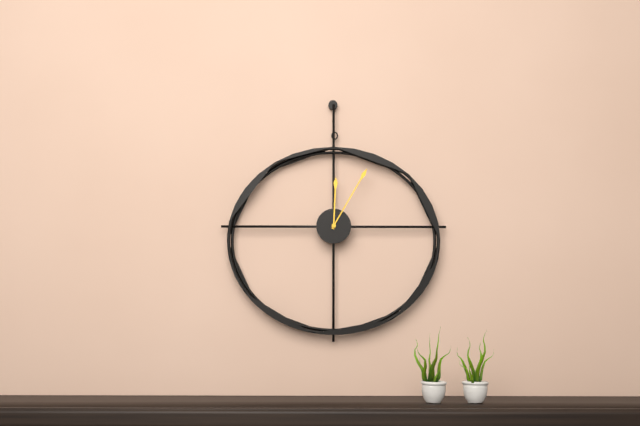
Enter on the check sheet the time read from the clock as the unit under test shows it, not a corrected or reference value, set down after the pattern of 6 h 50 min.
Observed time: 12 h 05 min
